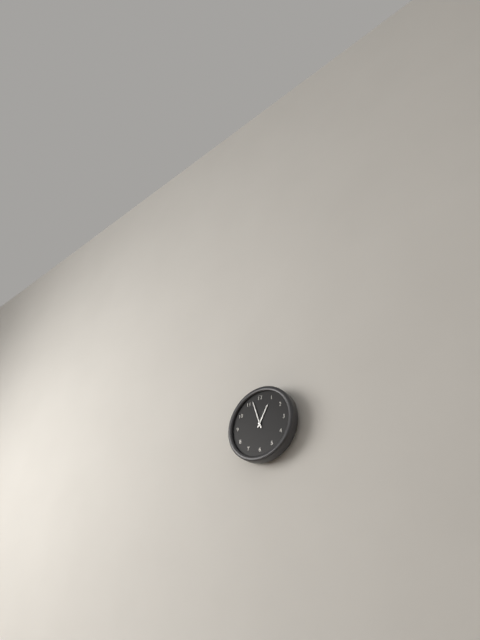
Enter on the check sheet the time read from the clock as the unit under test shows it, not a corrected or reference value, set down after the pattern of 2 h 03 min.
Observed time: 12 h 57 min
